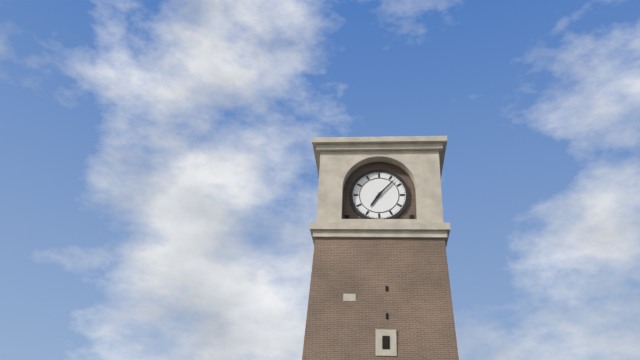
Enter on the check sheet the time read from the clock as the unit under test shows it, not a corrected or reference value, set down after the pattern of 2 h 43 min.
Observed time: 7 h 07 min
